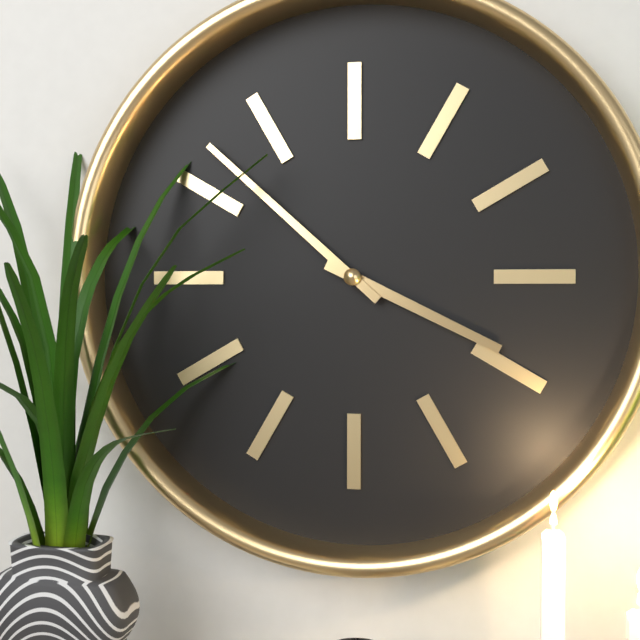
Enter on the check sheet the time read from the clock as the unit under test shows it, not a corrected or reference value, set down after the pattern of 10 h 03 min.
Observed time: 3 h 52 min
